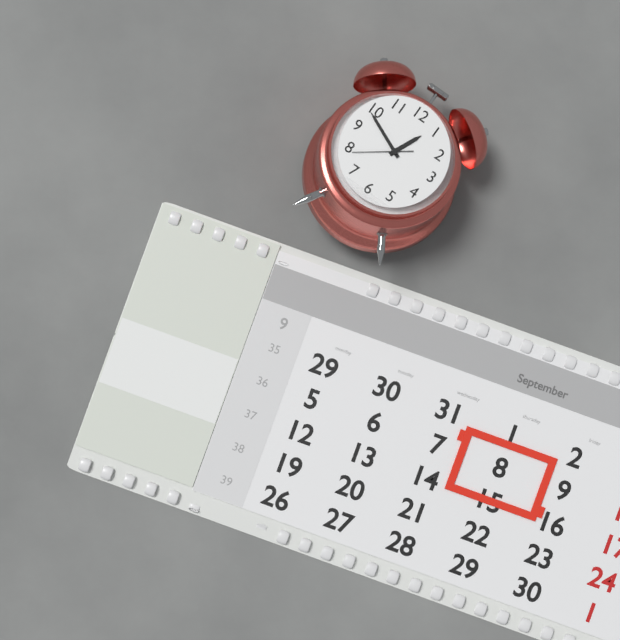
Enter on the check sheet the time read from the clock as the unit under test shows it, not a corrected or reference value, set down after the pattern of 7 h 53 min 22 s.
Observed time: 12 h 49 min 39 s
